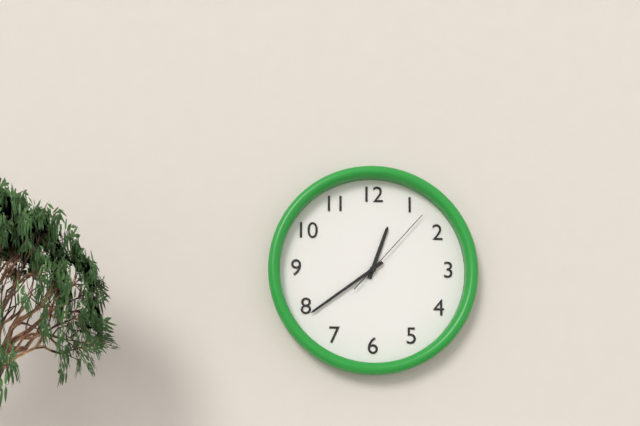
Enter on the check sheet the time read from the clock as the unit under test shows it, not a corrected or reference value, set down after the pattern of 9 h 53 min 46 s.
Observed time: 12 h 39 min 07 s
